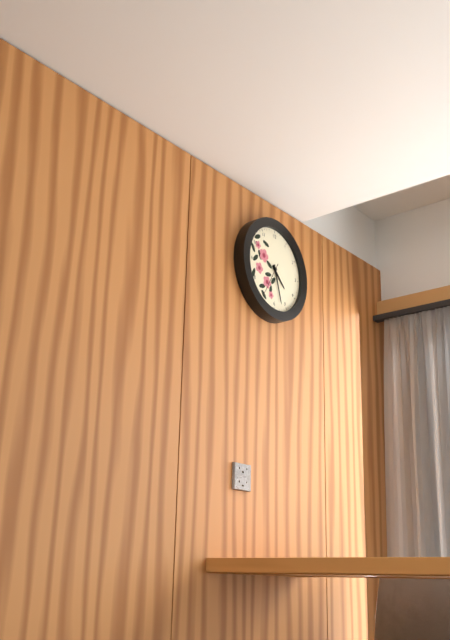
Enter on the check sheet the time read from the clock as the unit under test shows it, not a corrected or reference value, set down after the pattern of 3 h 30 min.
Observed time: 4 h 27 min
